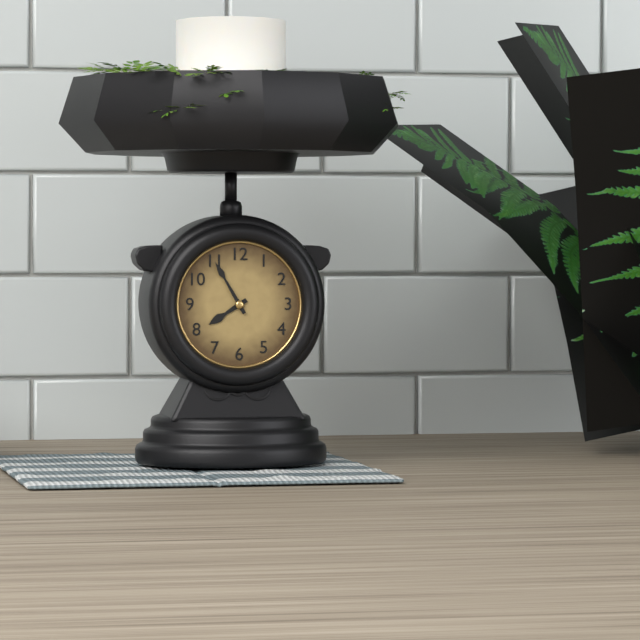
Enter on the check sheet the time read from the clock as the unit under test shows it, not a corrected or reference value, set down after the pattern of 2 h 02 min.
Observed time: 7 h 55 min
